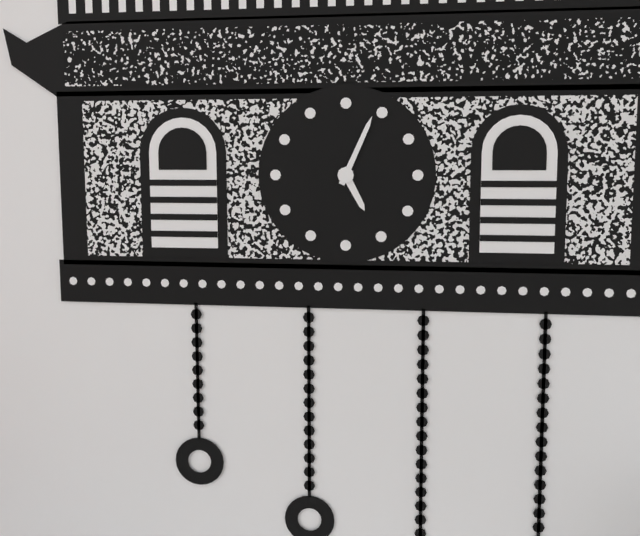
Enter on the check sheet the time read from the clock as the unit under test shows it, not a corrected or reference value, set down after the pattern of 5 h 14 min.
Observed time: 5 h 04 min
